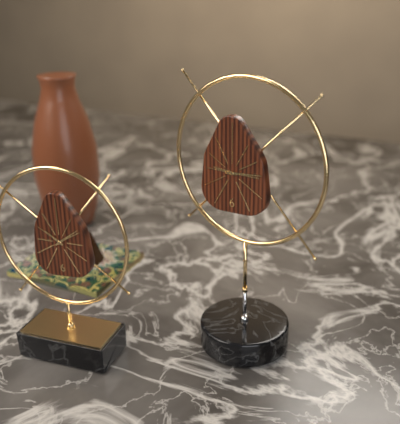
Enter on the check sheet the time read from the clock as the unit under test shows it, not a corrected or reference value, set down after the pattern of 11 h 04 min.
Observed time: 9 h 14 min
